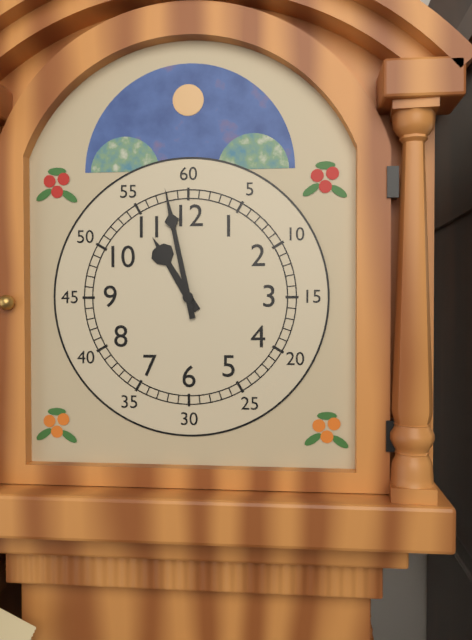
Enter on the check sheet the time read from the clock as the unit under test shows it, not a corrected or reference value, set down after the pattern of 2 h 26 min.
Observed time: 10 h 58 min
